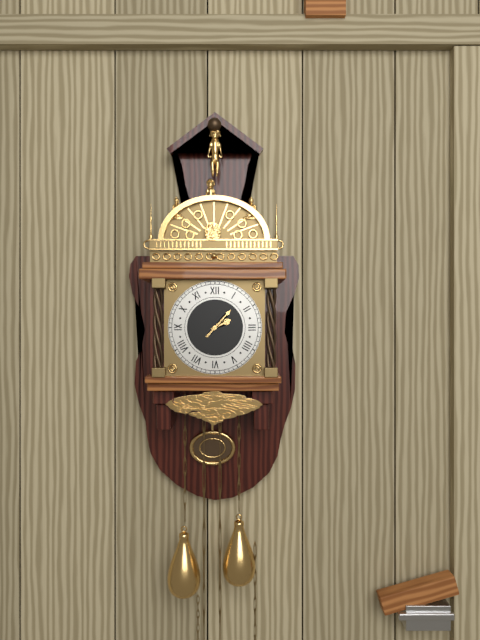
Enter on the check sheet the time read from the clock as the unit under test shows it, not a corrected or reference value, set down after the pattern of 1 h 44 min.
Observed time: 2 h 07 min
